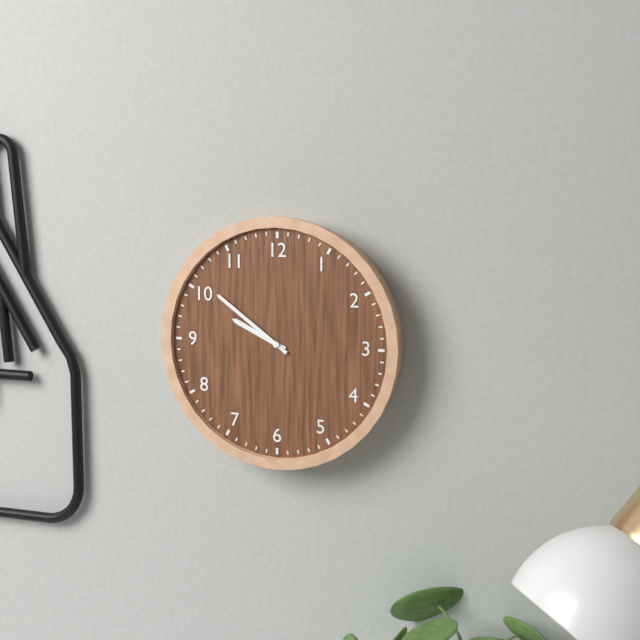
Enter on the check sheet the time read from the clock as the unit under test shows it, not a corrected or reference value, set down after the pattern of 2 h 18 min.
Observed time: 9 h 51 min
